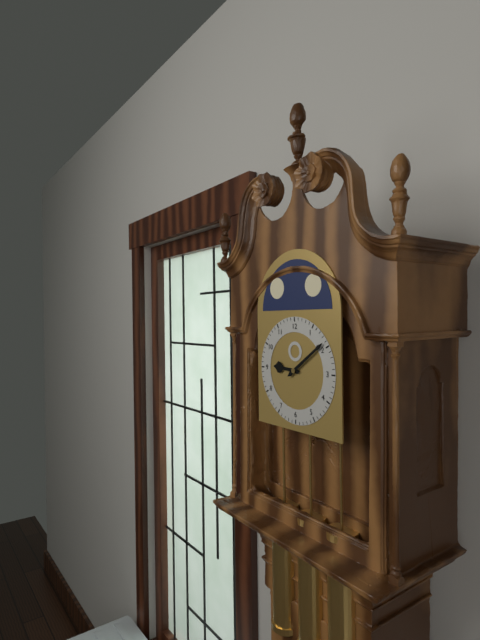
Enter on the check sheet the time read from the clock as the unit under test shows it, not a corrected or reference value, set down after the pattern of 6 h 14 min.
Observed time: 9 h 09 min
